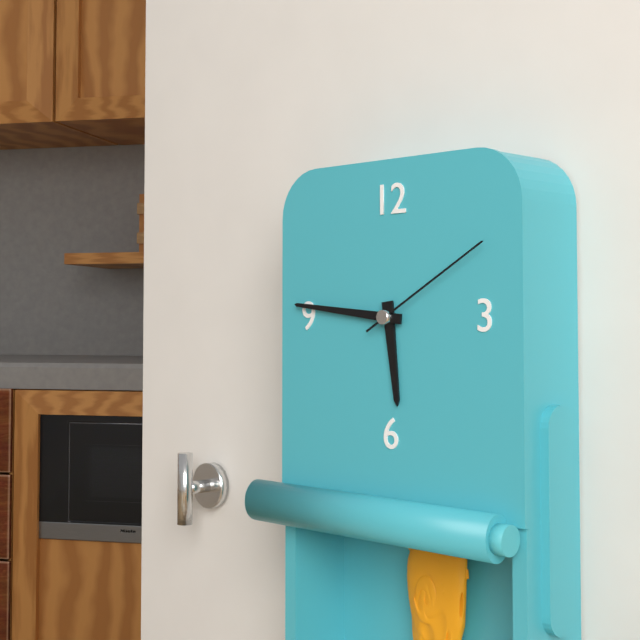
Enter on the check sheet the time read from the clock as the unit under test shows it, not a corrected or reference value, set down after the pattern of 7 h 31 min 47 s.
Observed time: 5 h 46 min 10 s
